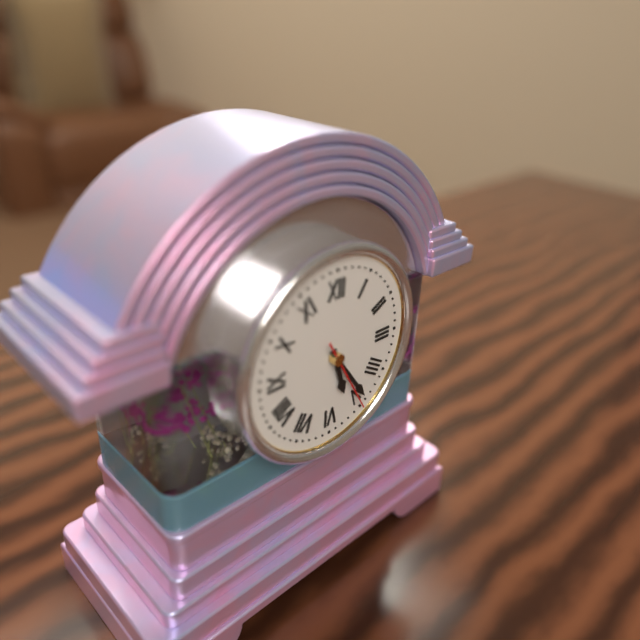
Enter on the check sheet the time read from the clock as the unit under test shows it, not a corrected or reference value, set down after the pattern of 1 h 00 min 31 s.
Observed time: 5 h 24 min 25 s
